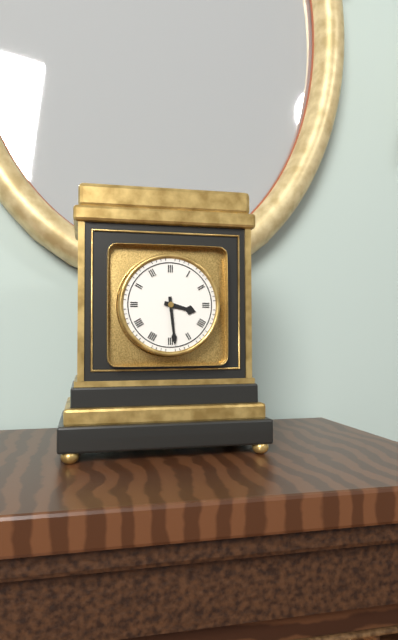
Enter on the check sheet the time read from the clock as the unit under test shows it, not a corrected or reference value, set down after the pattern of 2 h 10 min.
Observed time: 3 h 29 min
